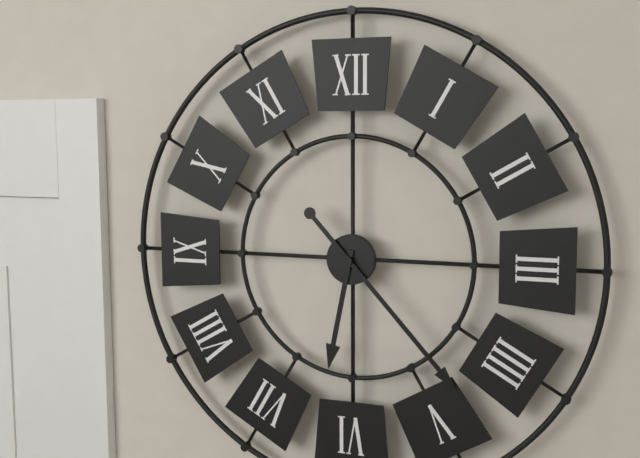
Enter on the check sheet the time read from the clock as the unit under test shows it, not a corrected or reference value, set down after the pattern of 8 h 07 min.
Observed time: 6 h 23 min
